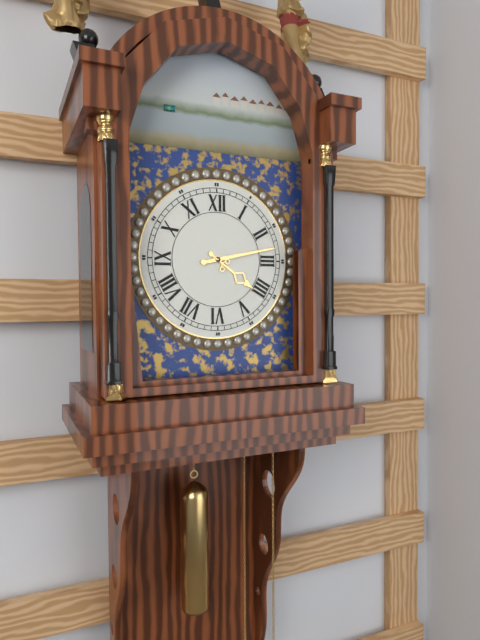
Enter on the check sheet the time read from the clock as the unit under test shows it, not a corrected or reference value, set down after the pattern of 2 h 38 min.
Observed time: 4 h 13 min
